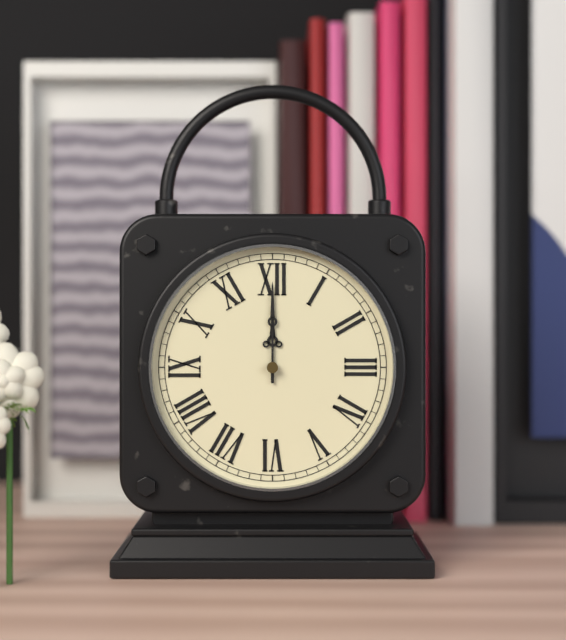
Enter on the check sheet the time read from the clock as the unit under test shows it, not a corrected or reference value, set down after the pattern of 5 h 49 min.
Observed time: 12 h 00 min
